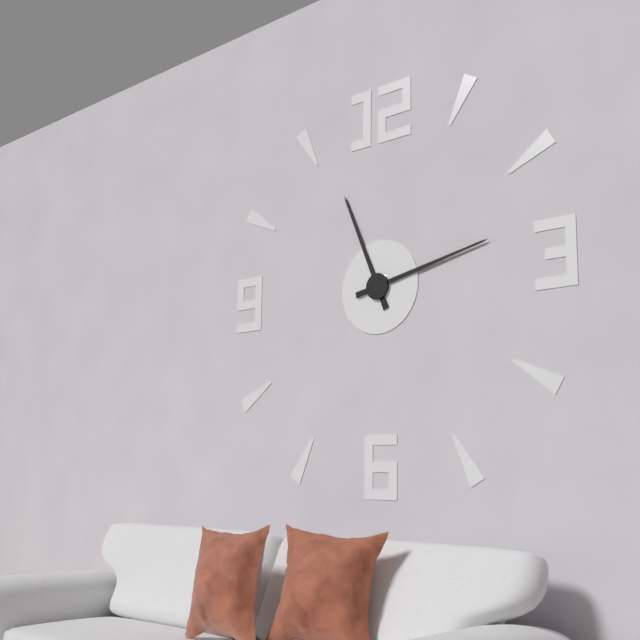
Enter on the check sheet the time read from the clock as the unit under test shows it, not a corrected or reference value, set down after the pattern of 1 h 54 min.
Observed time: 11 h 13 min
